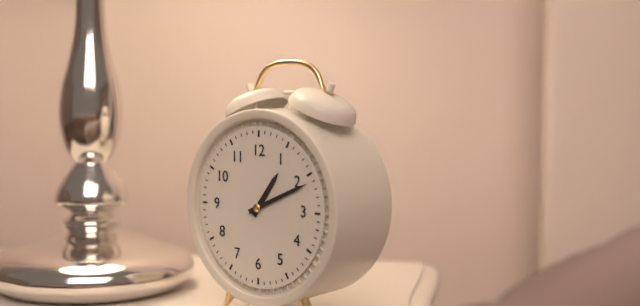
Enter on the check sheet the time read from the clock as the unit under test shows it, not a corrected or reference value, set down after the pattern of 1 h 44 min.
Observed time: 1 h 11 min
